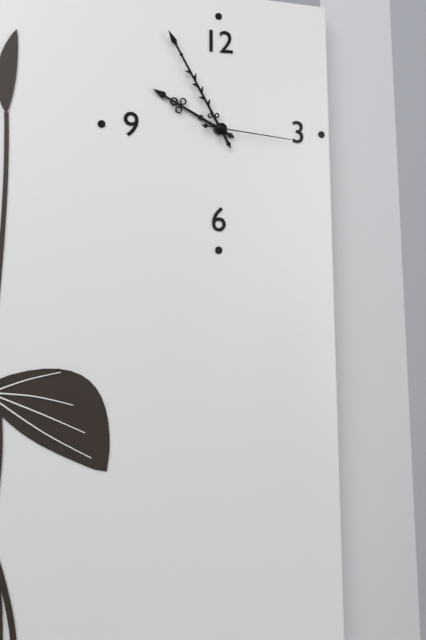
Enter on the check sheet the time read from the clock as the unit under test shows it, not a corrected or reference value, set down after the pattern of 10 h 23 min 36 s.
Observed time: 9 h 55 min 16 s
